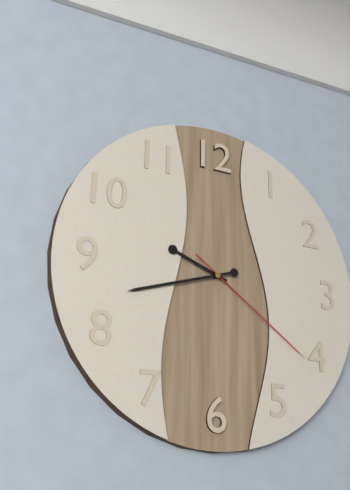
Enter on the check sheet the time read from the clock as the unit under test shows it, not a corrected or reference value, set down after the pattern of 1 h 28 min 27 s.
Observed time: 9 h 42 min 21 s
